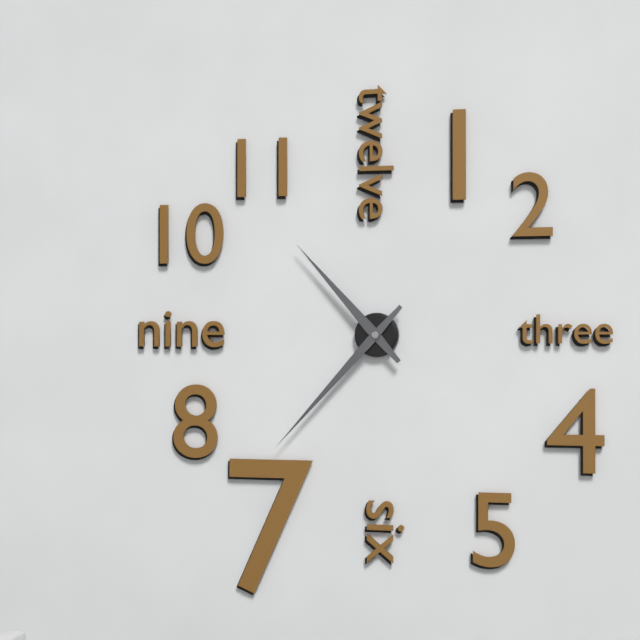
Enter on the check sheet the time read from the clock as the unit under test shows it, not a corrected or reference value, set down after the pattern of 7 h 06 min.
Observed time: 10 h 37 min
